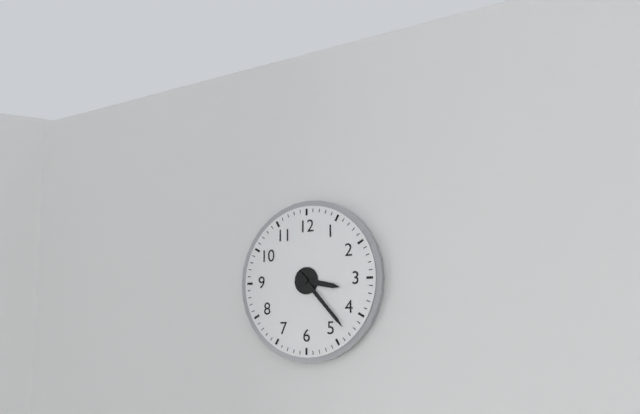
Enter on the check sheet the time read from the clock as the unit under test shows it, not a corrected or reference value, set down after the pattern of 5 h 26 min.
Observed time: 3 h 23 min
